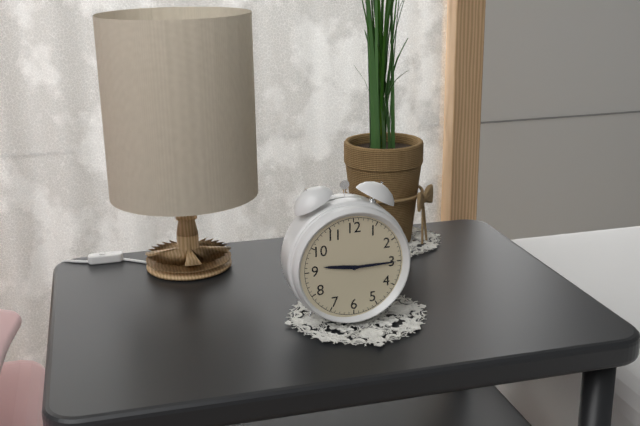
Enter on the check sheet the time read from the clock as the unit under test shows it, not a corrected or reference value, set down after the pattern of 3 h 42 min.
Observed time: 9 h 15 min
